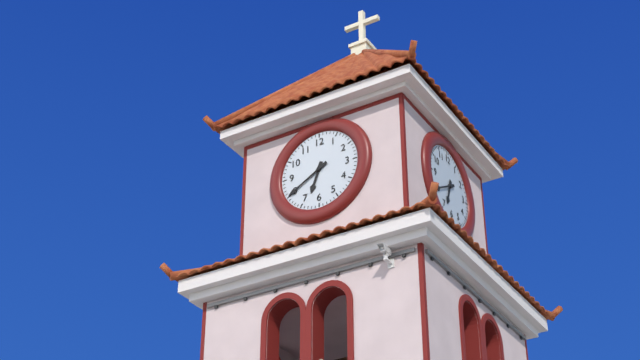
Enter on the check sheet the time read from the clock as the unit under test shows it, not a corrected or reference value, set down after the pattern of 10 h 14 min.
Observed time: 6 h 40 min
